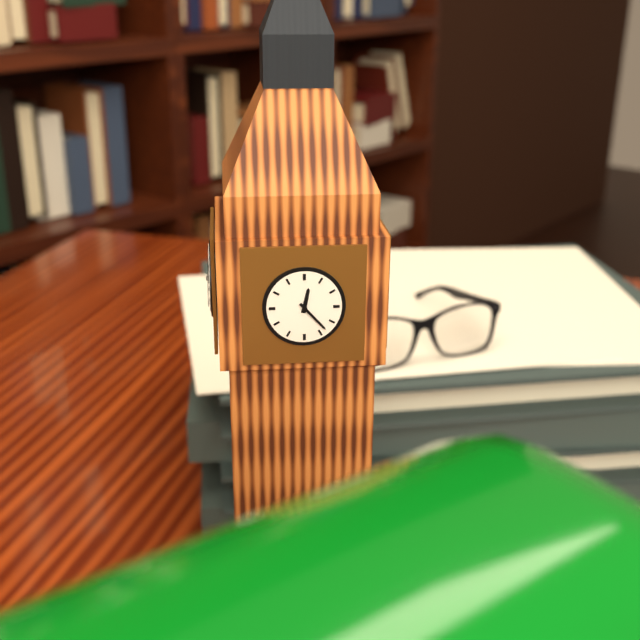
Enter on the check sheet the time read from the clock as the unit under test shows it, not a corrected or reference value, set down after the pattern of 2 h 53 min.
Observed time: 12 h 23 min
